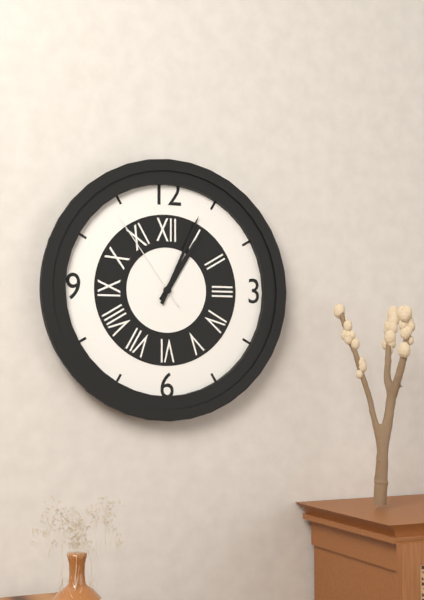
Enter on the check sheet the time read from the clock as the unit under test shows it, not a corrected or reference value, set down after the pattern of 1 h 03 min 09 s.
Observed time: 1 h 04 min 54 s
